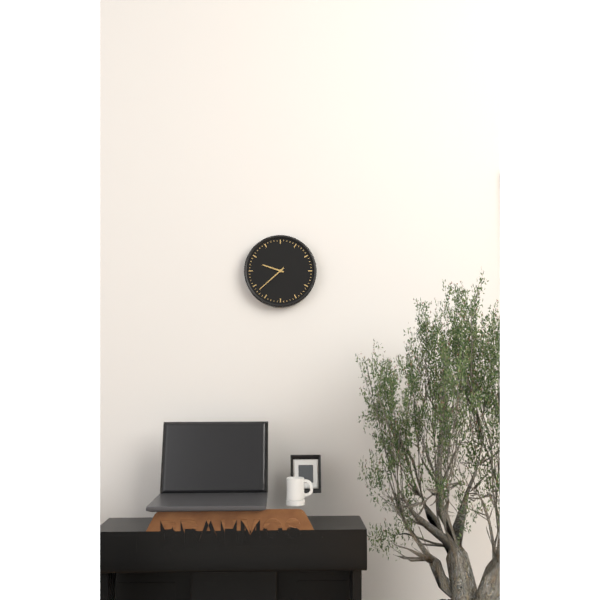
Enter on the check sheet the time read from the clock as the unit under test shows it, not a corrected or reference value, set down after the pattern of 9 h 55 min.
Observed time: 9 h 38 min
